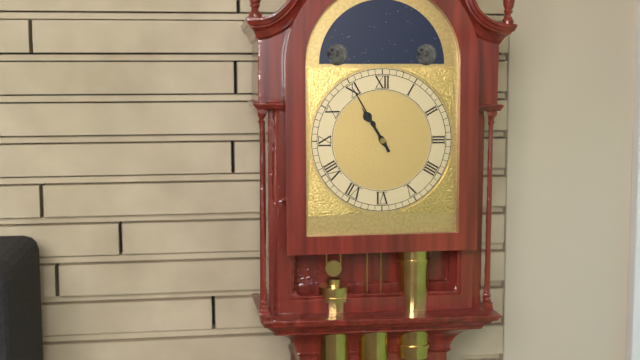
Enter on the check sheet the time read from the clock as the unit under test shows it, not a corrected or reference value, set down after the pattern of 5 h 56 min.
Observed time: 10 h 55 min
